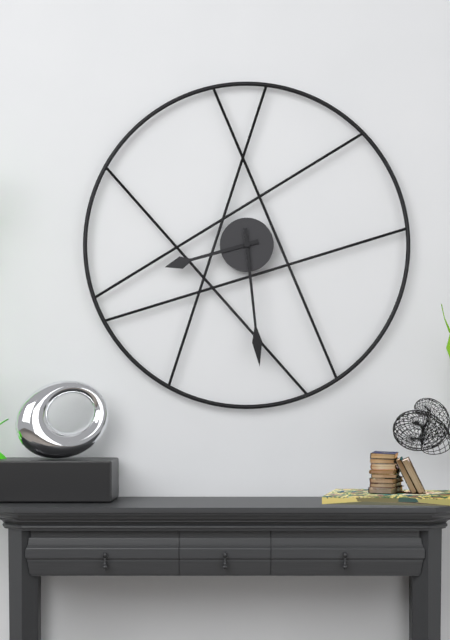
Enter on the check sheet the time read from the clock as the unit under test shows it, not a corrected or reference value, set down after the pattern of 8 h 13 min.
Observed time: 8 h 29 min
